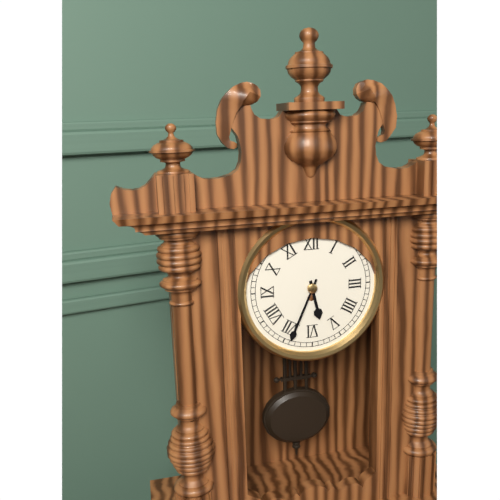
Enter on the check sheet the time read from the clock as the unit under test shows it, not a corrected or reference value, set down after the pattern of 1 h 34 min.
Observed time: 5 h 34 min
